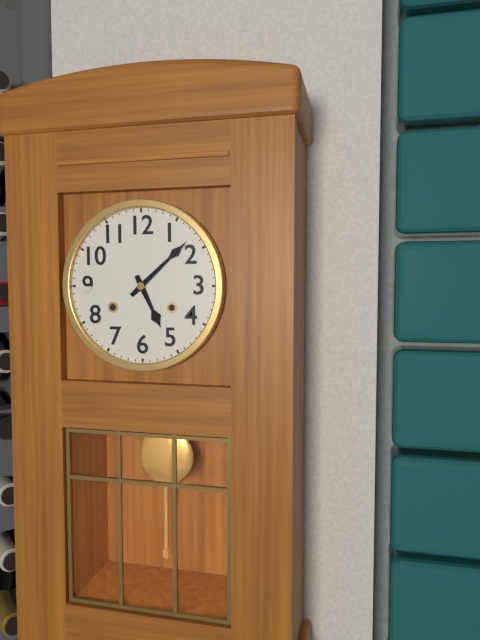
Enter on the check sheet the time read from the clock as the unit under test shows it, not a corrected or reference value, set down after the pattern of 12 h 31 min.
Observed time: 5 h 08 min
